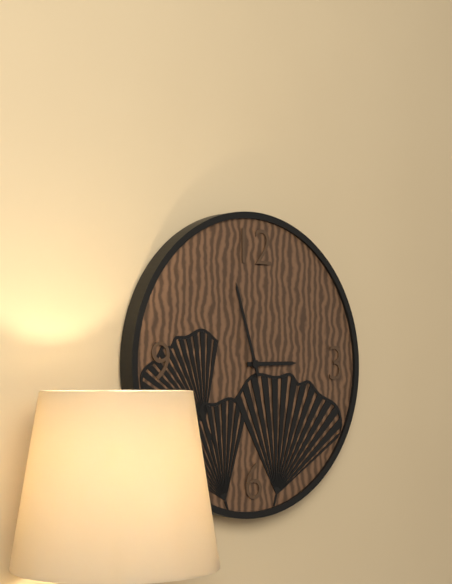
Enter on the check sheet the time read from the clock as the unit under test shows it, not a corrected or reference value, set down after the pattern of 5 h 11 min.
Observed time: 2 h 57 min
